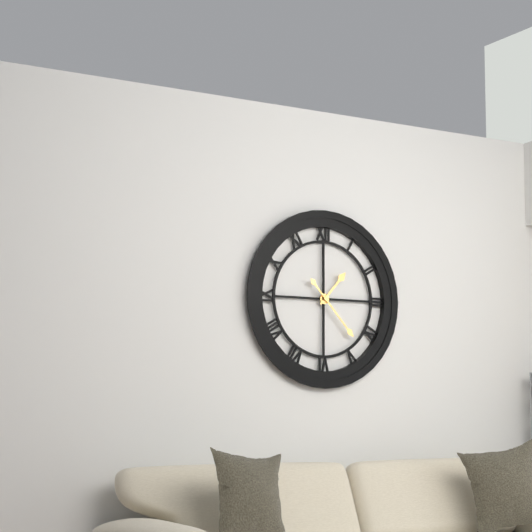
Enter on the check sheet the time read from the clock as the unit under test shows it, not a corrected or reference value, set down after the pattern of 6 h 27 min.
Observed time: 1 h 23 min
